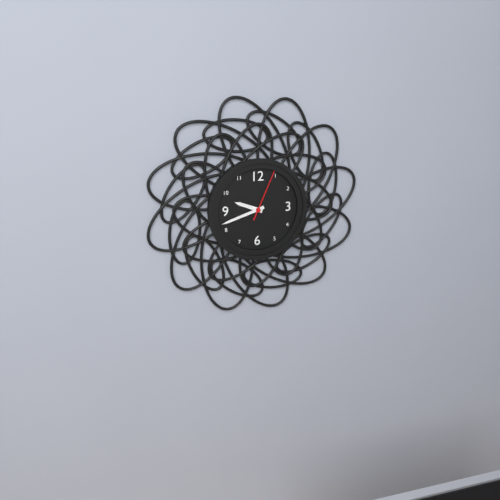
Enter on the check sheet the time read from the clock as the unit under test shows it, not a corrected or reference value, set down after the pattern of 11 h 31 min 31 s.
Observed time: 9 h 42 min 04 s
